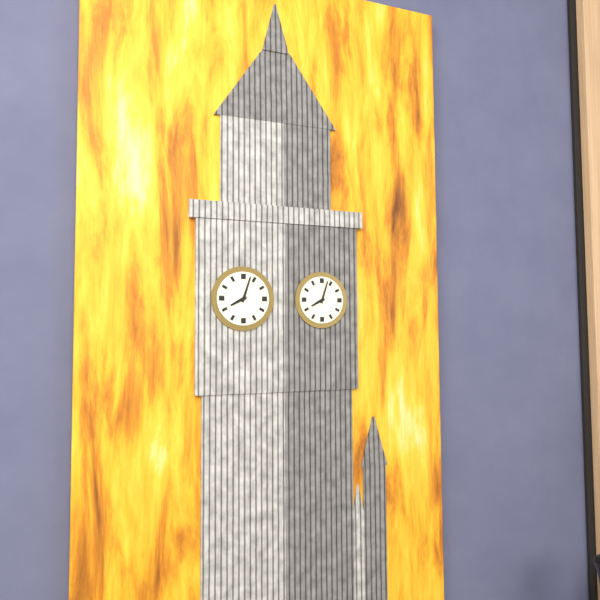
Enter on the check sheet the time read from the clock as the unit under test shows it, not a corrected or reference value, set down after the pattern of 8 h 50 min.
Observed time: 8 h 03 min
